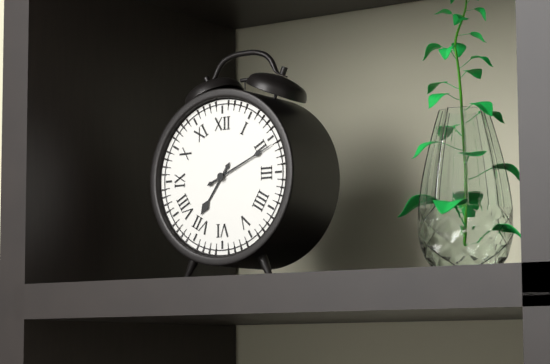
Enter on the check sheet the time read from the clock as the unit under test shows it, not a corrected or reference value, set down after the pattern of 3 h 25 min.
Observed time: 7 h 11 min
